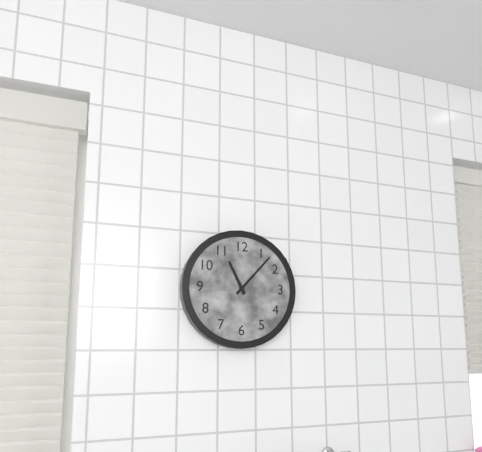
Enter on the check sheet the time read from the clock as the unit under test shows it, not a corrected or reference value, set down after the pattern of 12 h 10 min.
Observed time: 11 h 07 min
